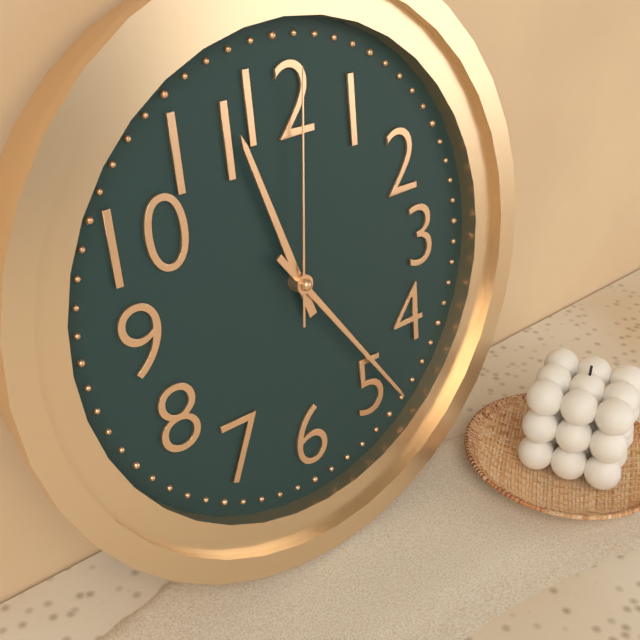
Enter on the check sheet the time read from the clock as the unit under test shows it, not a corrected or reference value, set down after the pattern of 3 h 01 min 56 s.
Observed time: 11 h 24 min 01 s
